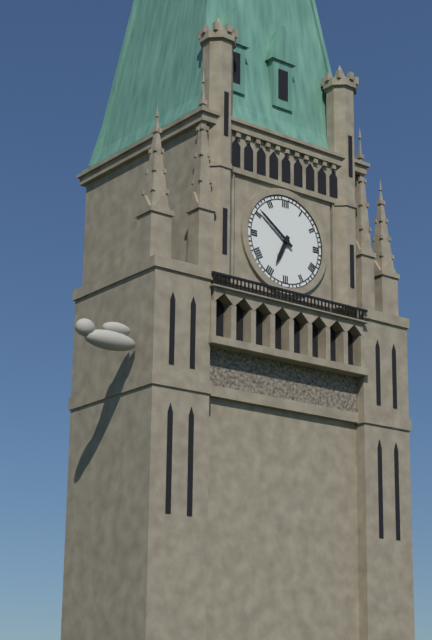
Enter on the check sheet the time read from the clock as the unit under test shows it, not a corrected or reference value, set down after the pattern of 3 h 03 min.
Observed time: 6 h 51 min
